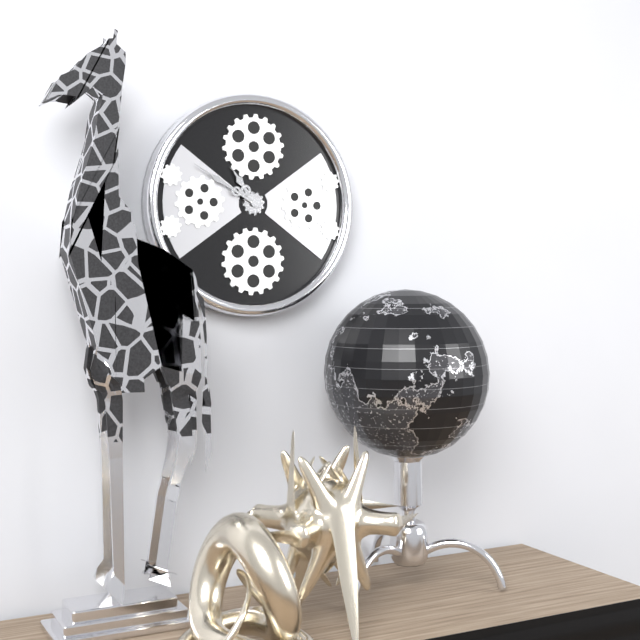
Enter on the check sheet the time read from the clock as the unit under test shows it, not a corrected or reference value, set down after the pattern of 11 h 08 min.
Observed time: 10 h 50 min
